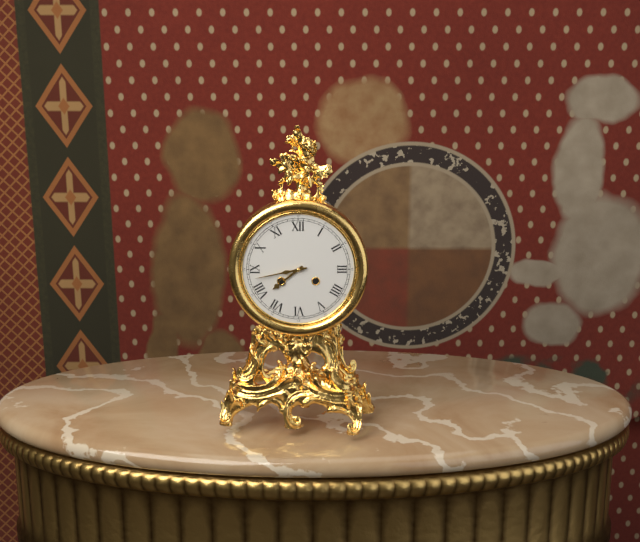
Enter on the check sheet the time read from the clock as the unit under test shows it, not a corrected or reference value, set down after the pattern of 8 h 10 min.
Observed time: 7 h 43 min
